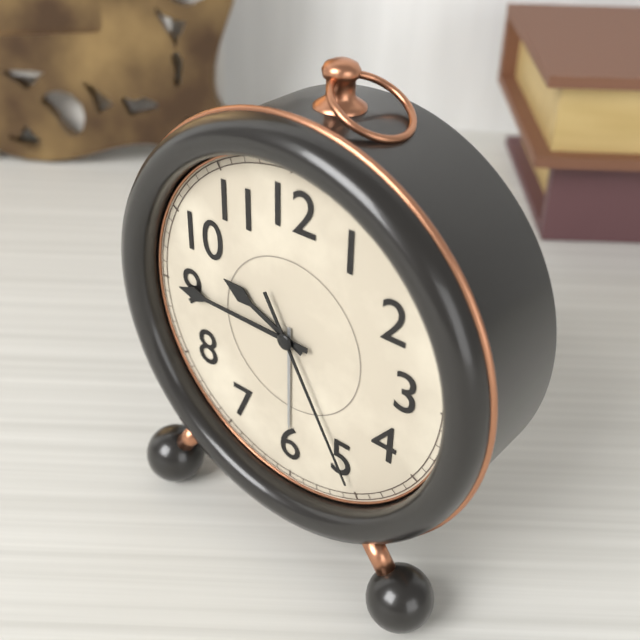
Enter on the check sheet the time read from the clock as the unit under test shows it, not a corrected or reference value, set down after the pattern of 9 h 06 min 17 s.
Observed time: 9 h 45 min 25 s
